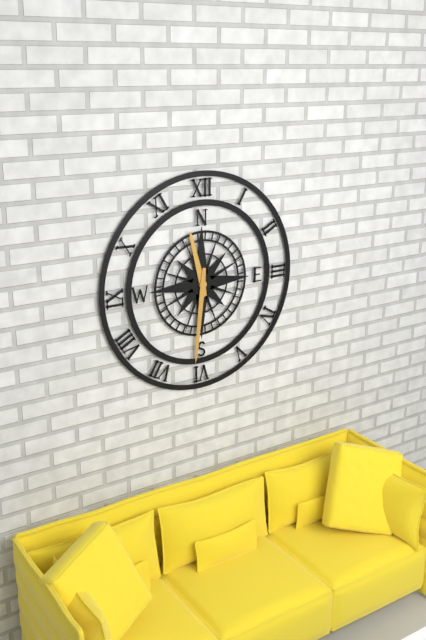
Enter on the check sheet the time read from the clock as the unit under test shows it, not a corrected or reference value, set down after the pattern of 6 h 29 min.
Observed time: 11 h 31 min
